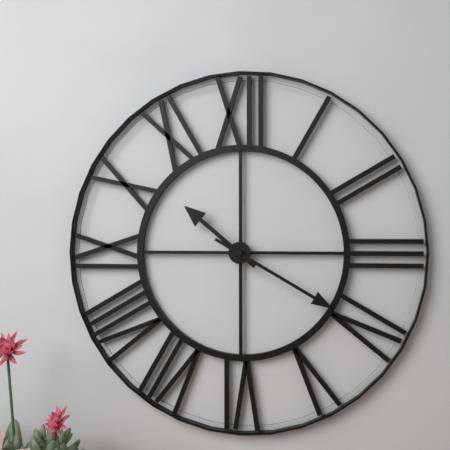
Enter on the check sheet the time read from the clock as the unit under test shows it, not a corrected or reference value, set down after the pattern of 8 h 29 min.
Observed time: 10 h 20 min
